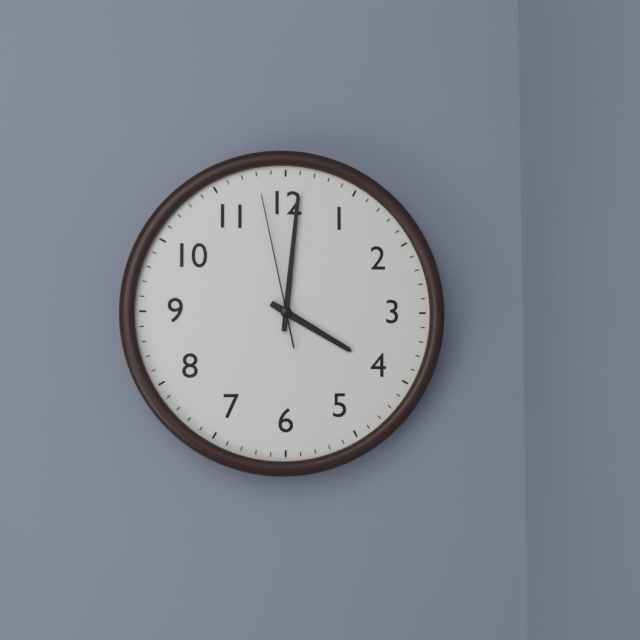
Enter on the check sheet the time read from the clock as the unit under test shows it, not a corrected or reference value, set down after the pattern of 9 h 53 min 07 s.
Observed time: 4 h 01 min 58 s
